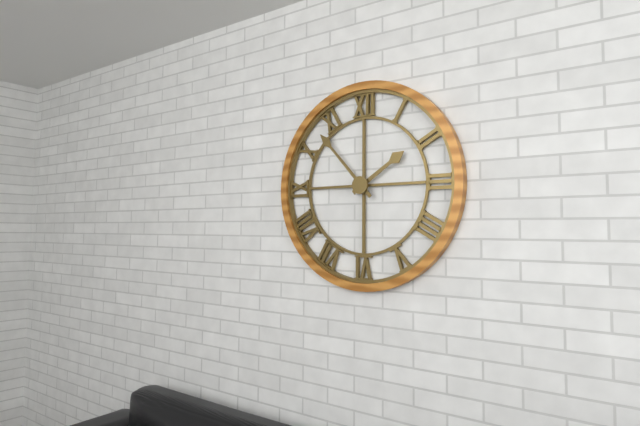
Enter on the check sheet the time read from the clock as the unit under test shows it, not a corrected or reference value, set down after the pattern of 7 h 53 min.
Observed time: 1 h 53 min
